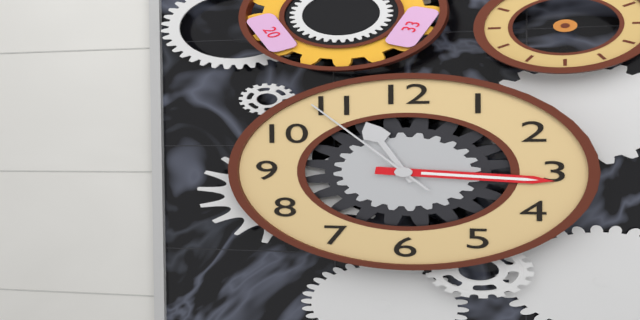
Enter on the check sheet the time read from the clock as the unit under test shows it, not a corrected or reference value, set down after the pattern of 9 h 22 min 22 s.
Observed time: 11 h 16 min 54 s
